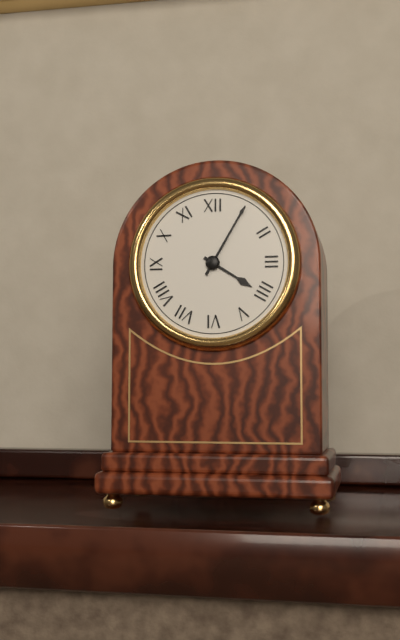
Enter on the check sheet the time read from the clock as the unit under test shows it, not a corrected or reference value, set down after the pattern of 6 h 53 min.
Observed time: 4 h 05 min
